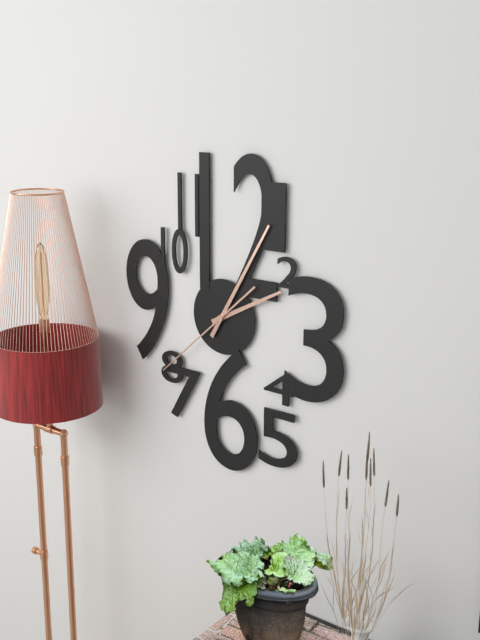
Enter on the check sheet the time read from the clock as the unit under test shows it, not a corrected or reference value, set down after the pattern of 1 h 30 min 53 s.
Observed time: 2 h 05 min 38 s
